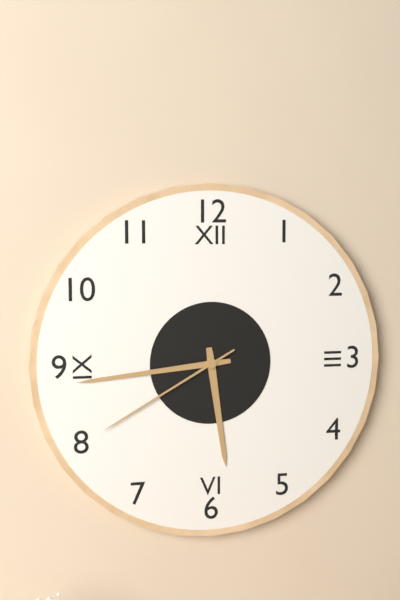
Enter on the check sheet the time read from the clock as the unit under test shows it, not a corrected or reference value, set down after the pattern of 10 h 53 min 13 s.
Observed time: 5 h 44 min 40 s
